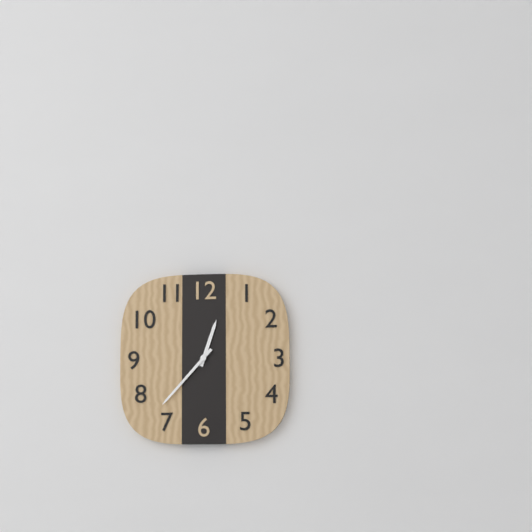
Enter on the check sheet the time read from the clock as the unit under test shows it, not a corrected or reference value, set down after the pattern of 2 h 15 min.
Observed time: 12 h 37 min
